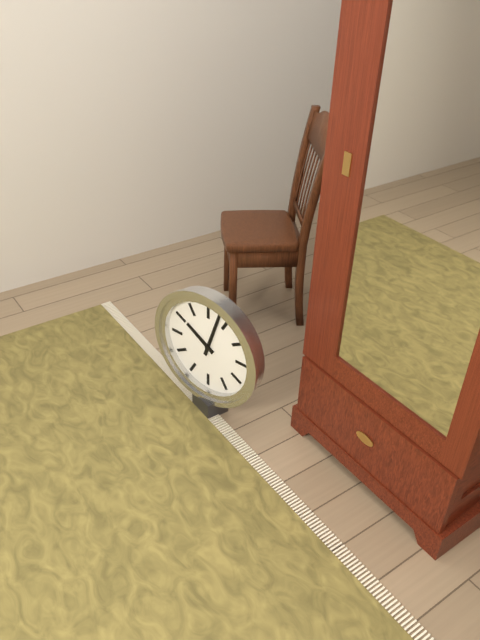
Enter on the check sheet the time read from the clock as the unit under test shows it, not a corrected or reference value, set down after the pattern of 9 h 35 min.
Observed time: 10 h 03 min
